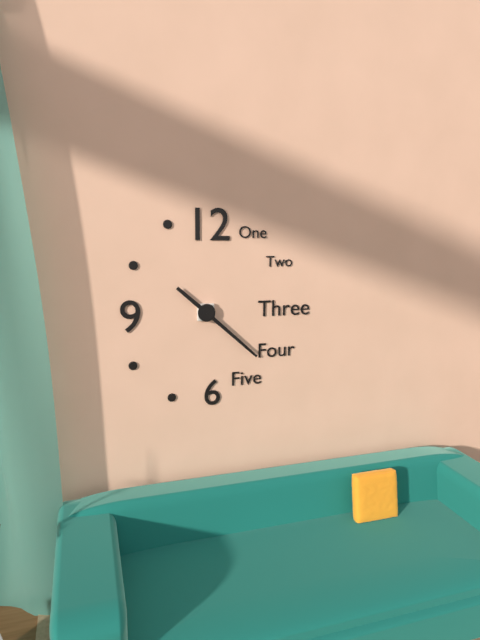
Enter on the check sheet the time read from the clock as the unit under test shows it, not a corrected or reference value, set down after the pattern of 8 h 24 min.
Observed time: 10 h 22 min
